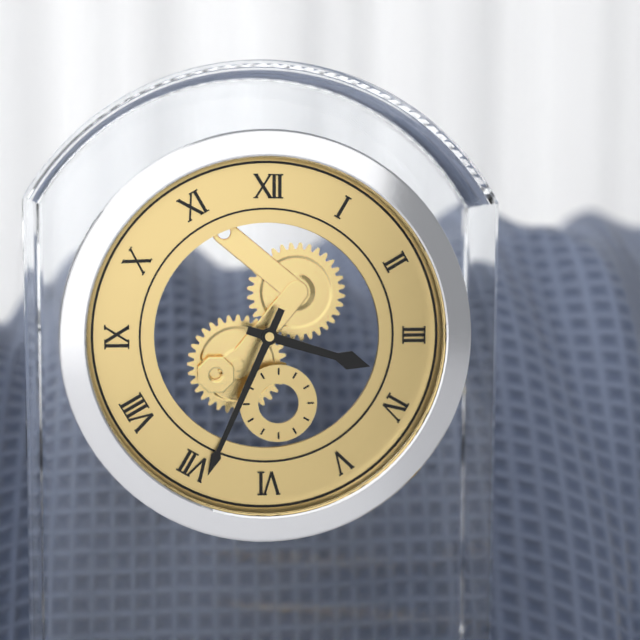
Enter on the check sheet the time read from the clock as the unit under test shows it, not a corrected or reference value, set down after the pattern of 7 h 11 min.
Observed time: 3 h 34 min
